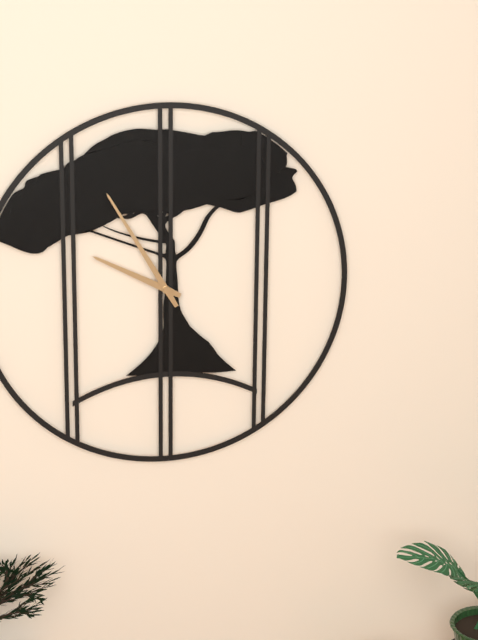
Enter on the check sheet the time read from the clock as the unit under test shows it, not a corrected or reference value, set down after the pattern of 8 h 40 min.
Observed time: 9 h 55 min
